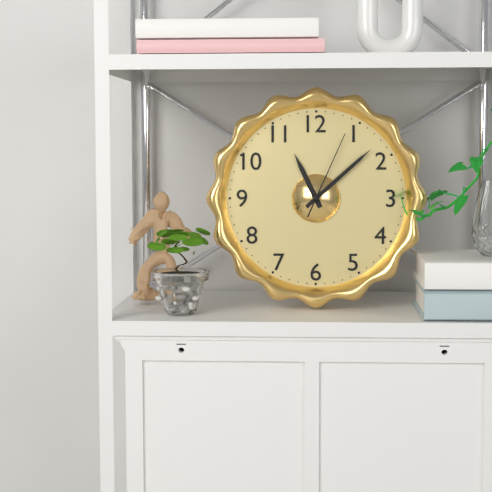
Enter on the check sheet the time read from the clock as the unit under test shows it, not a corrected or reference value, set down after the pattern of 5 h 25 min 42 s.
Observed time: 11 h 08 min 04 s
